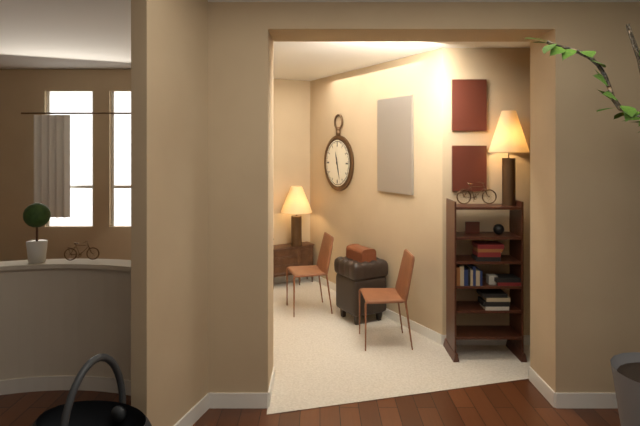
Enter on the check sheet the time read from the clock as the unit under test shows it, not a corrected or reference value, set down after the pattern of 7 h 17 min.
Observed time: 11 h 27 min
